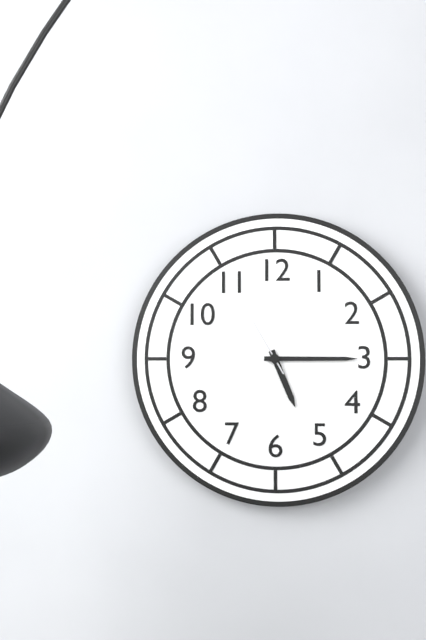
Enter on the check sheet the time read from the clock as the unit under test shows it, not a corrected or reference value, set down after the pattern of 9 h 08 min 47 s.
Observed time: 5 h 15 min 55 s
